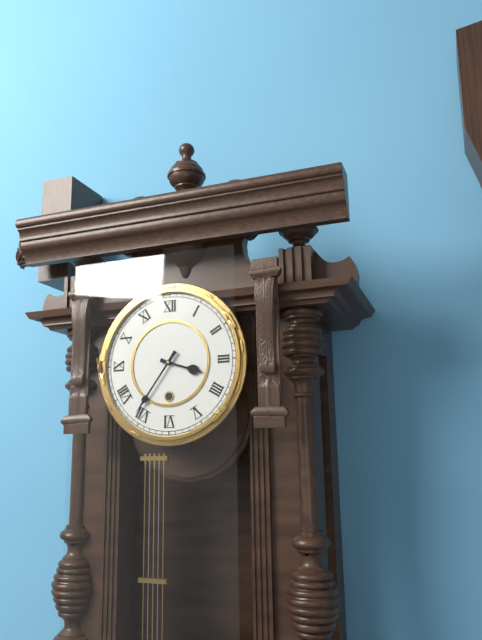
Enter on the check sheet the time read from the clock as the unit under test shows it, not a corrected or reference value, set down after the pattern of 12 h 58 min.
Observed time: 3 h 36 min
